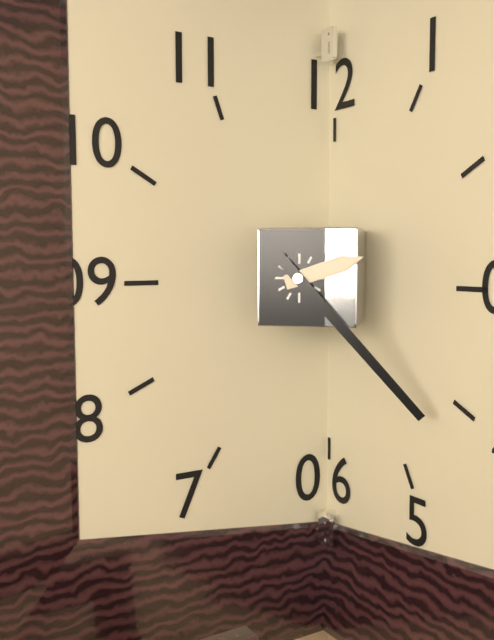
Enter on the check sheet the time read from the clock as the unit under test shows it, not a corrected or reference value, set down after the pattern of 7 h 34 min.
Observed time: 2 h 23 min
